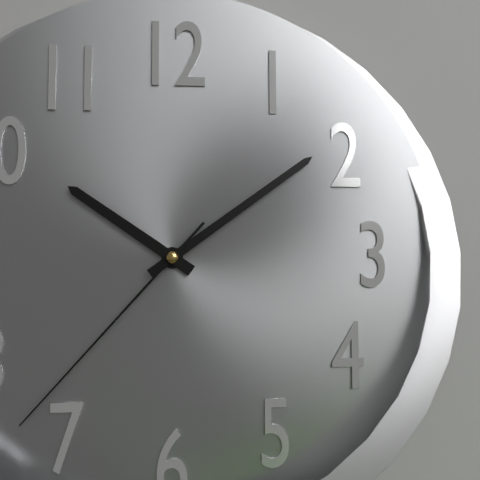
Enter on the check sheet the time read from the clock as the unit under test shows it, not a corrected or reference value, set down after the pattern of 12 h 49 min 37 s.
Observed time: 10 h 09 min 37 s
